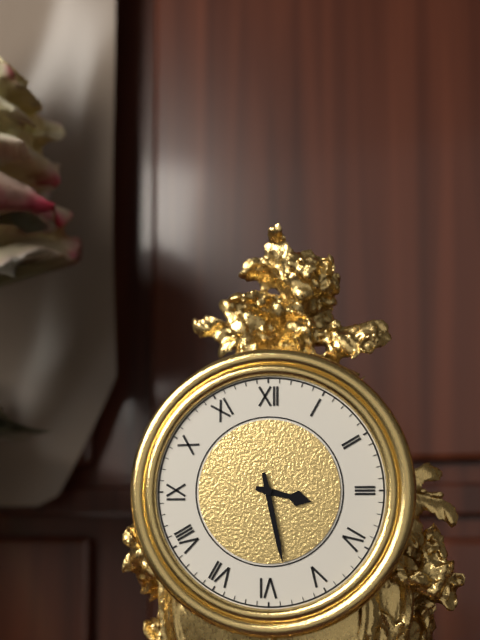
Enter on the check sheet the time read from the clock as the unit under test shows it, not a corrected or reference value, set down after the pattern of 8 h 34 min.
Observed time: 3 h 28 min
